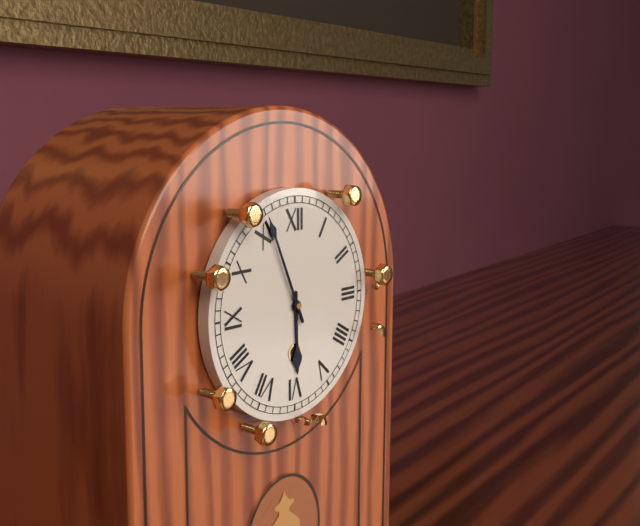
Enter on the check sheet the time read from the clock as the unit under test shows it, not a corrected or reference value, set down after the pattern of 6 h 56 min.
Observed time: 5 h 56 min
